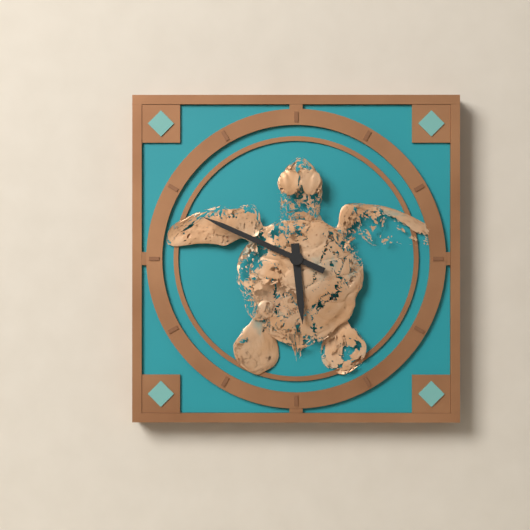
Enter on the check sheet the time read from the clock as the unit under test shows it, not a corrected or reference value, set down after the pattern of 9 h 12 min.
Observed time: 5 h 49 min
